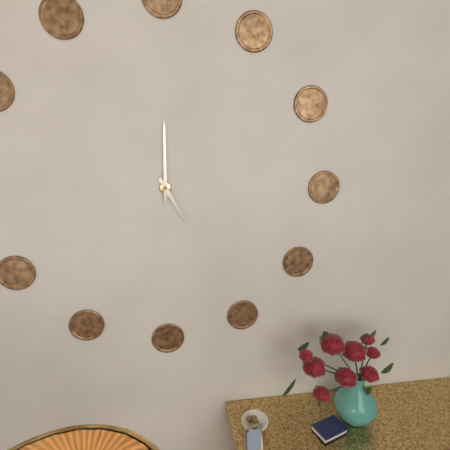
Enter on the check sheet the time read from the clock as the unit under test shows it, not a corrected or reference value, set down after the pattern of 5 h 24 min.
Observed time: 5 h 00 min
